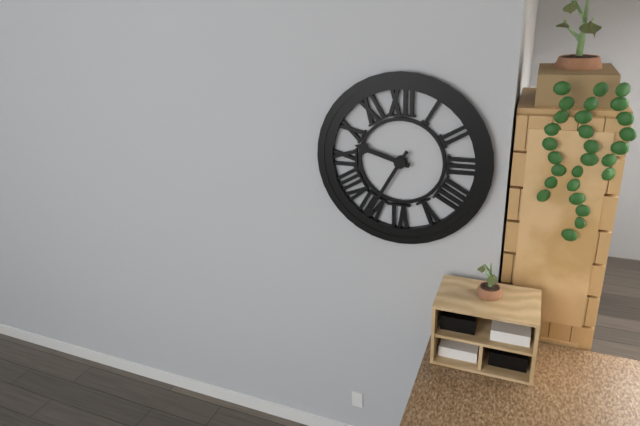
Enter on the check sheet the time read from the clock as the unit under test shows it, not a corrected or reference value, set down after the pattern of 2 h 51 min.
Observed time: 9 h 35 min
